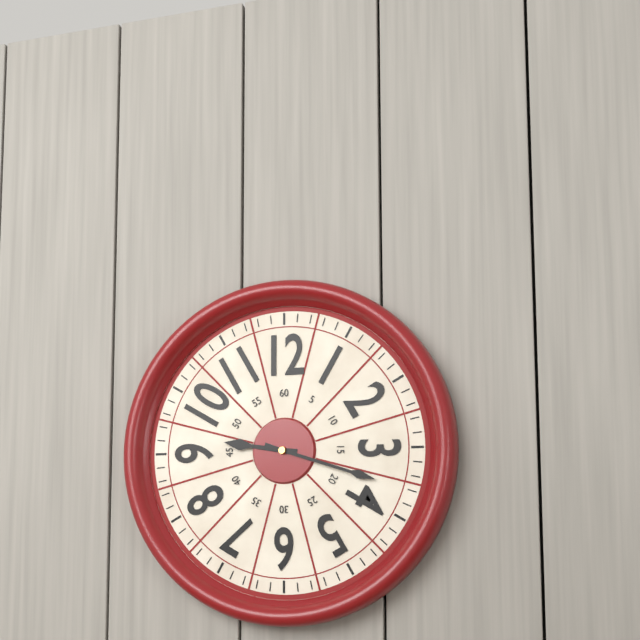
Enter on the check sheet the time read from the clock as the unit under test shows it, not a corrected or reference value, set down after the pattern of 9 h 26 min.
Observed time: 9 h 18 min
